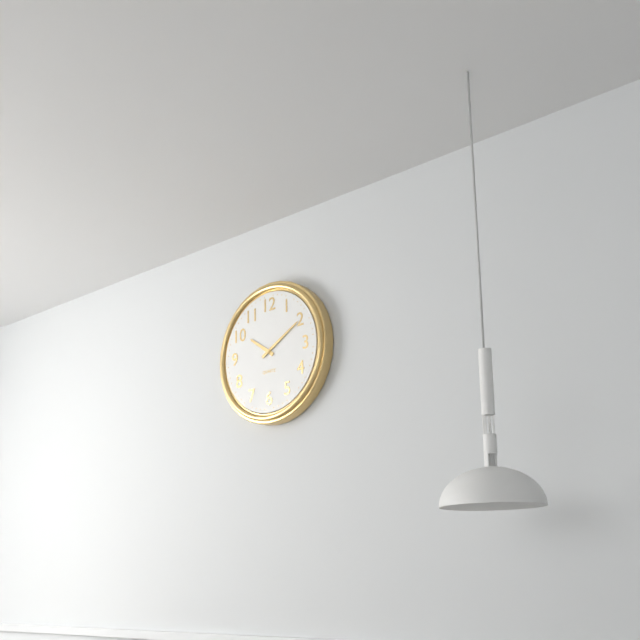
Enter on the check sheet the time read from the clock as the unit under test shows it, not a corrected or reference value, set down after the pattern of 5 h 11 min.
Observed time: 10 h 10 min
